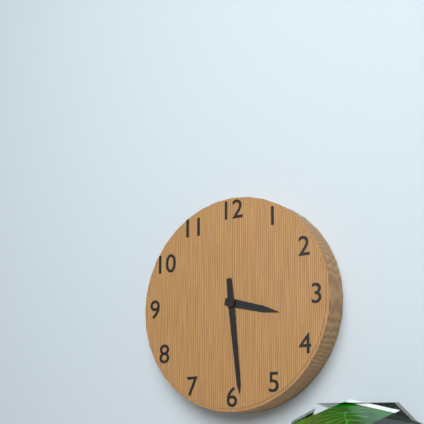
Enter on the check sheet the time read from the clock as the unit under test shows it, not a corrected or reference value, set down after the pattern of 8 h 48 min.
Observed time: 3 h 29 min
